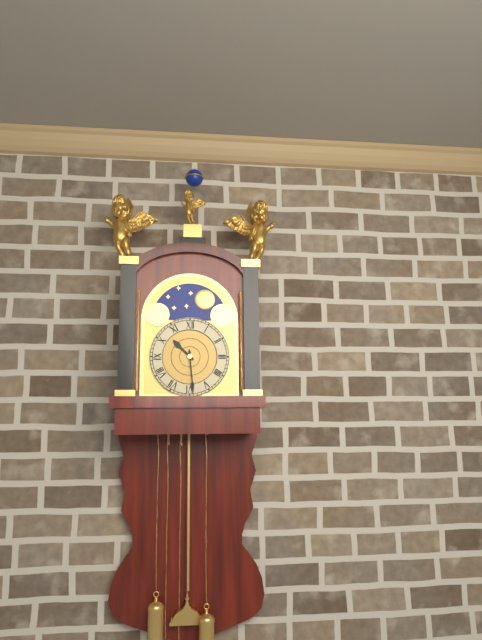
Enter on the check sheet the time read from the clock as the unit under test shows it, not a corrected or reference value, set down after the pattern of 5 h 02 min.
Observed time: 10 h 29 min
